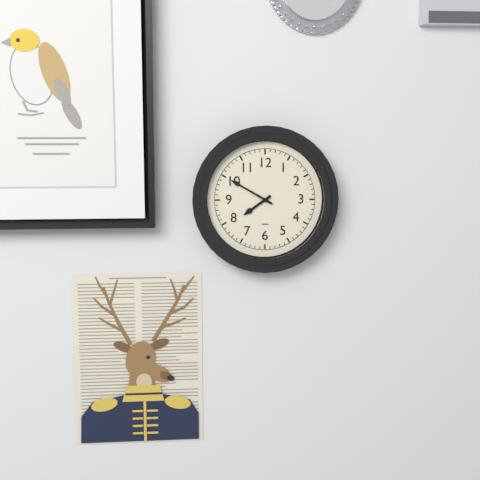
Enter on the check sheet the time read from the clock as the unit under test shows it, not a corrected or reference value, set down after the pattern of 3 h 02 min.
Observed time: 7 h 50 min
